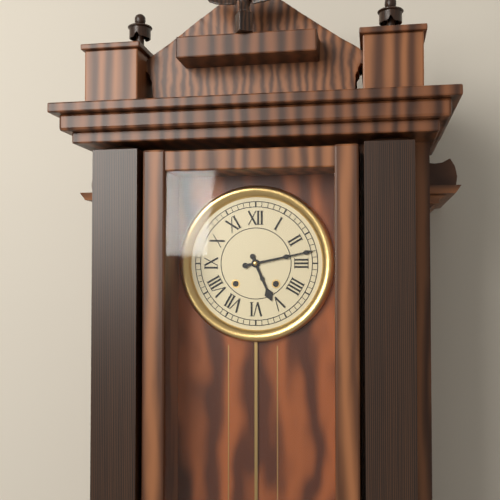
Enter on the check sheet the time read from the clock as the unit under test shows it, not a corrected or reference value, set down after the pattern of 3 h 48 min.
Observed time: 5 h 13 min
